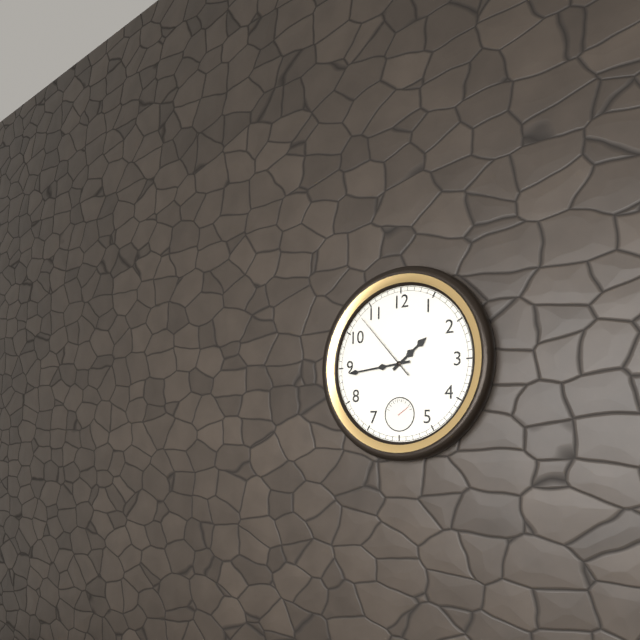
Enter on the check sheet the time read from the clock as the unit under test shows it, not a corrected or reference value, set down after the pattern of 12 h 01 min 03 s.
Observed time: 1 h 44 min 53 s
